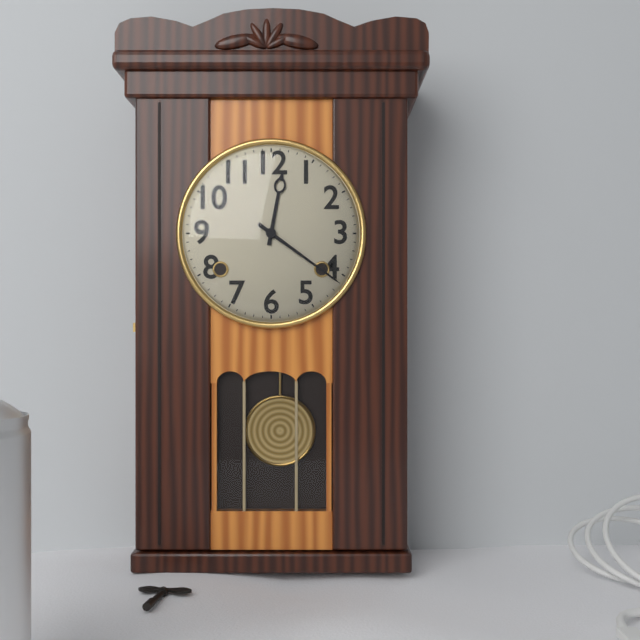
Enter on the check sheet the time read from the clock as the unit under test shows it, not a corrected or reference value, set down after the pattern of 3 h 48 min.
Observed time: 12 h 21 min
